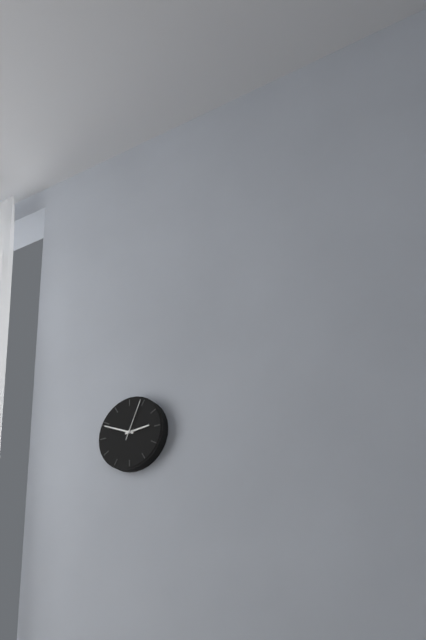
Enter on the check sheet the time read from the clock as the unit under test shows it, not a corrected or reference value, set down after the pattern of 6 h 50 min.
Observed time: 2 h 49 min
